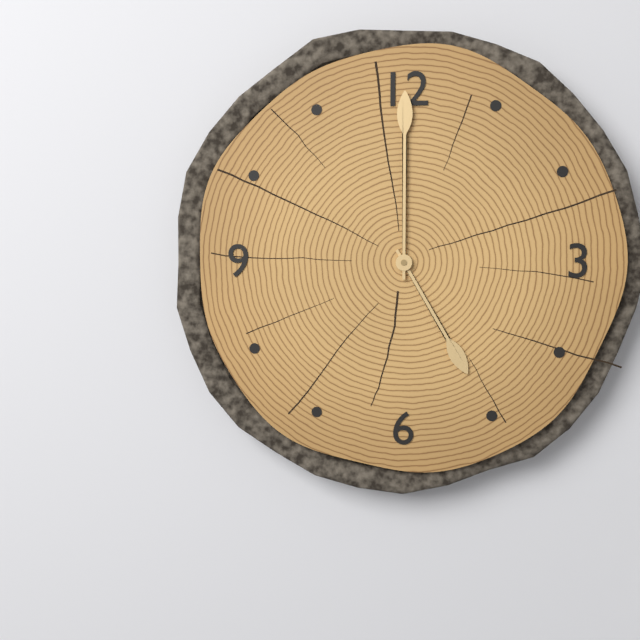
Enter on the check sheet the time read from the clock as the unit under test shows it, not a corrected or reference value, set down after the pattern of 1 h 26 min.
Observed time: 5 h 00 min
